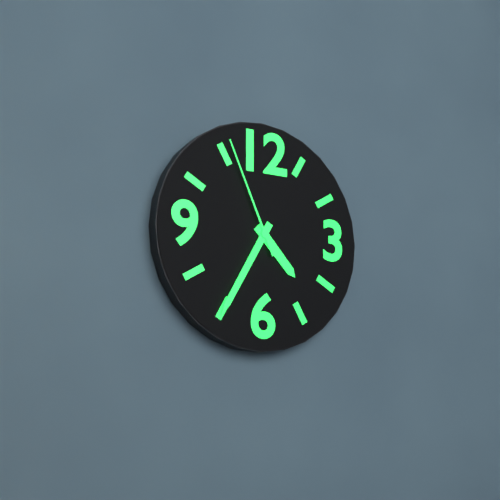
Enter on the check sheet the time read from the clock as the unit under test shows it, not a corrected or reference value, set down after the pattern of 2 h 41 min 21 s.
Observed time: 4 h 35 min 56 s
